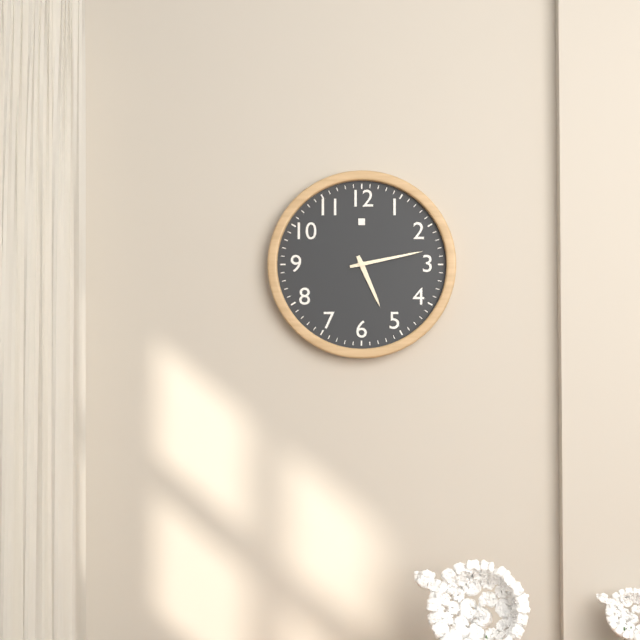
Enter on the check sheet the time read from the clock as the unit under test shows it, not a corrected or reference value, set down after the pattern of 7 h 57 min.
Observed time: 5 h 13 min
